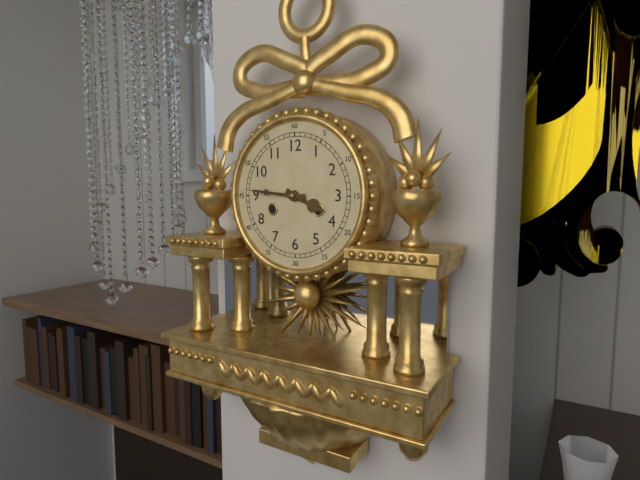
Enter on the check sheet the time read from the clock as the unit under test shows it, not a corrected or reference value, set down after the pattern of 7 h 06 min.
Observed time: 3 h 46 min
